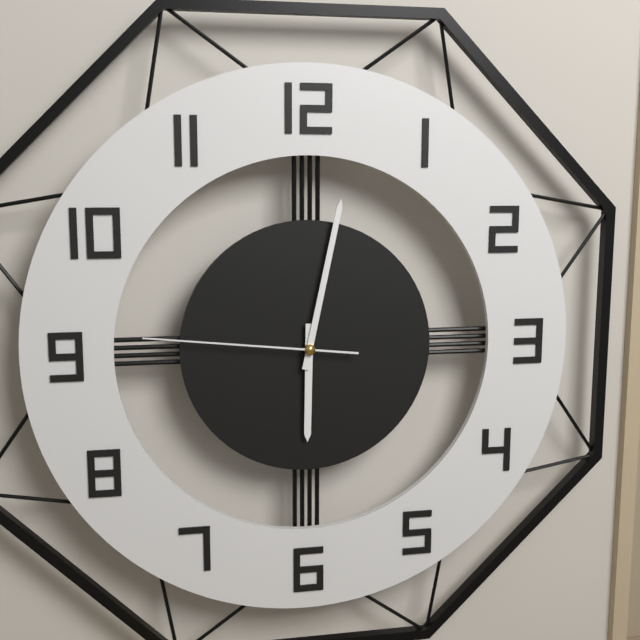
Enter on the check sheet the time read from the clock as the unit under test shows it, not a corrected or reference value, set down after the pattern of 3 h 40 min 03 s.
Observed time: 6 h 02 min 46 s
